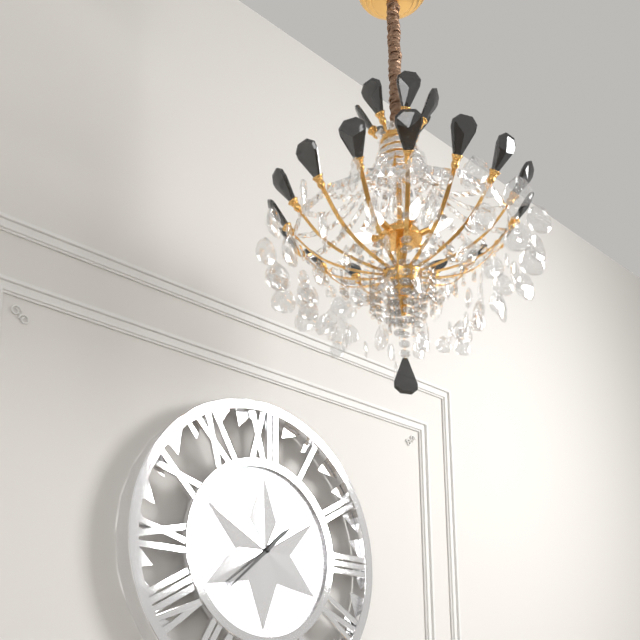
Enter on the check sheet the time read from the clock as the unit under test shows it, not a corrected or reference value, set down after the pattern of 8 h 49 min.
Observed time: 1 h 38 min
